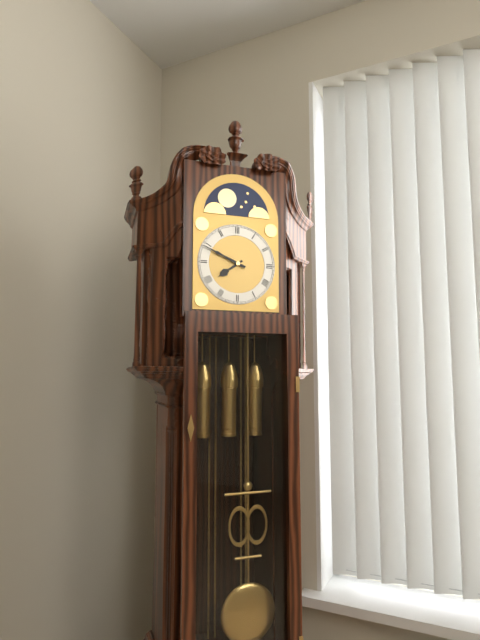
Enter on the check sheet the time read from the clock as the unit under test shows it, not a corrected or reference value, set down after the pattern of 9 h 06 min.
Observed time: 7 h 49 min
